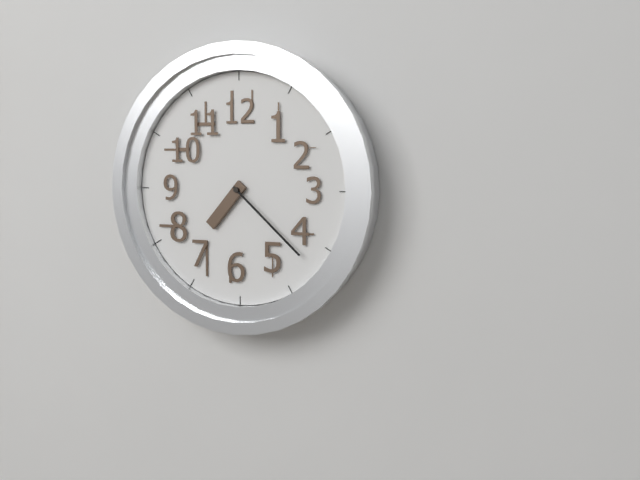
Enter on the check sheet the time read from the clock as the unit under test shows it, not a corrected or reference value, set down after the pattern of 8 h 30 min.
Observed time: 7 h 22 min
